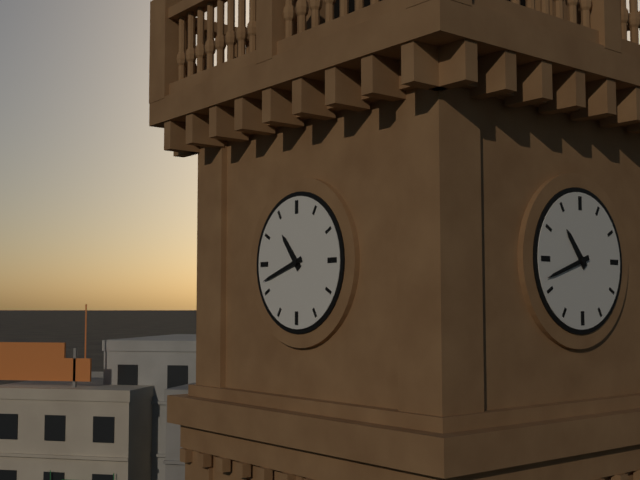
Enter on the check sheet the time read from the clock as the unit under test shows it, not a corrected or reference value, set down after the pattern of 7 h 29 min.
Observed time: 10 h 42 min
